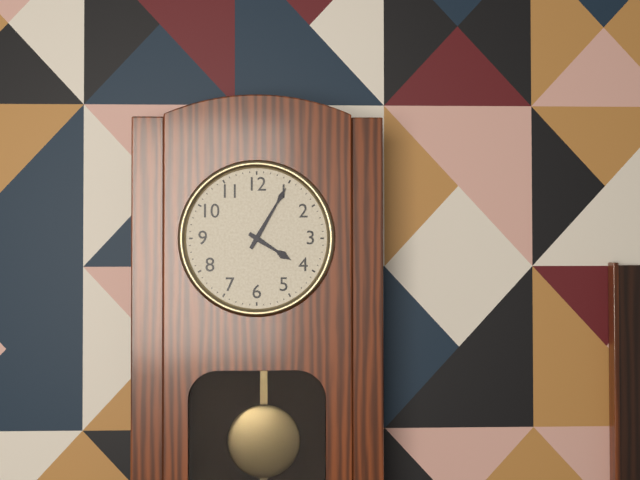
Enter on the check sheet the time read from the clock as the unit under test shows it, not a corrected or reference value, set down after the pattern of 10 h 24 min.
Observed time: 4 h 05 min
